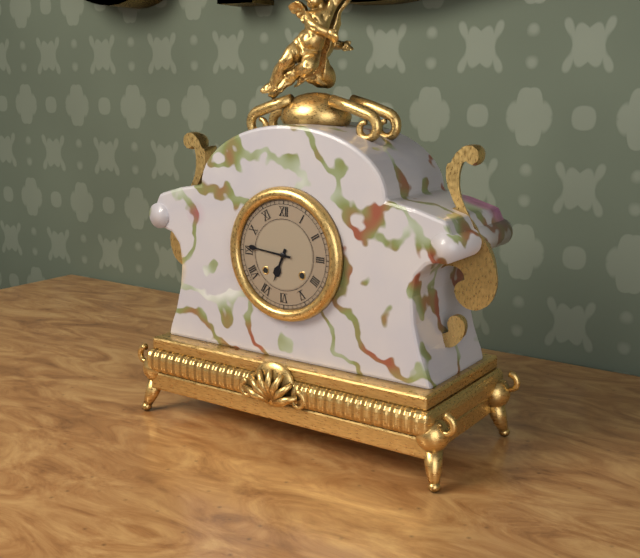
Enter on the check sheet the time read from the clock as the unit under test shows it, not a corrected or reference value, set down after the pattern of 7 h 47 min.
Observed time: 6 h 46 min
